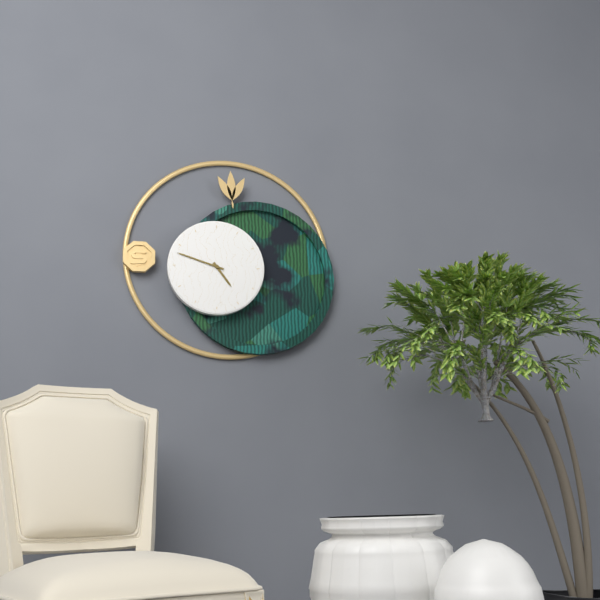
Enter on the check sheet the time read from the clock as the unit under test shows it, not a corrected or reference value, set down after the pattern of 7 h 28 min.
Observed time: 4 h 48 min
